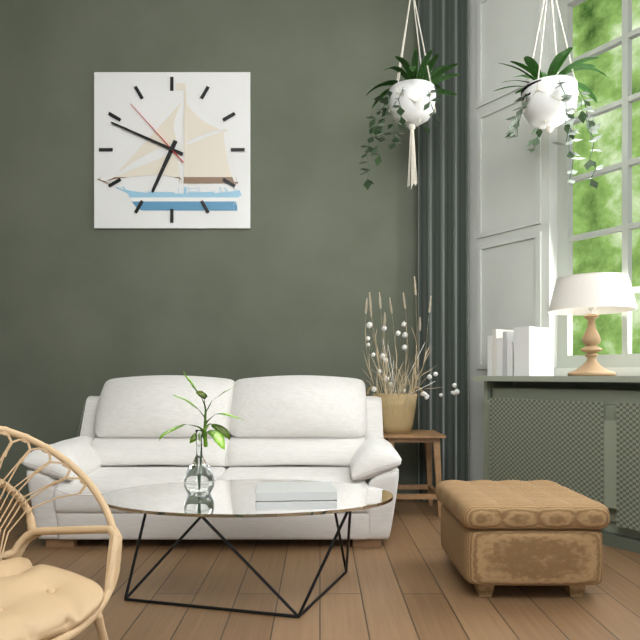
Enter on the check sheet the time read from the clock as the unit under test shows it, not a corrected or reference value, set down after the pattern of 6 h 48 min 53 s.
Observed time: 6 h 49 min 53 s
